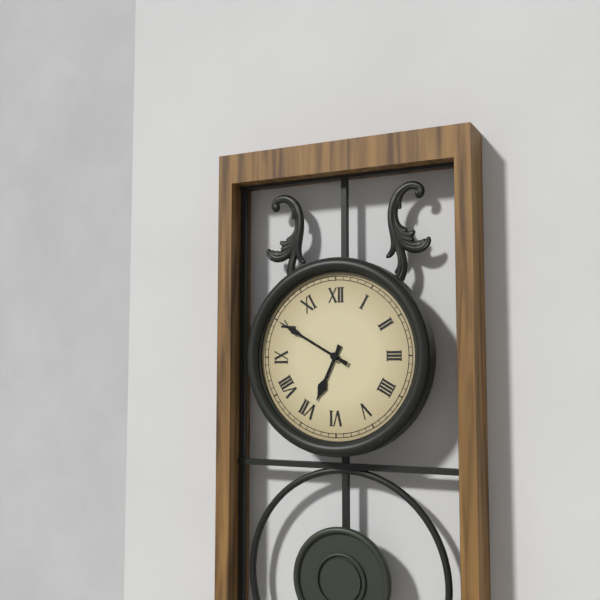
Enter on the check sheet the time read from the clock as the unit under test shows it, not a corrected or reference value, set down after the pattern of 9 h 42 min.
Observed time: 6 h 50 min
